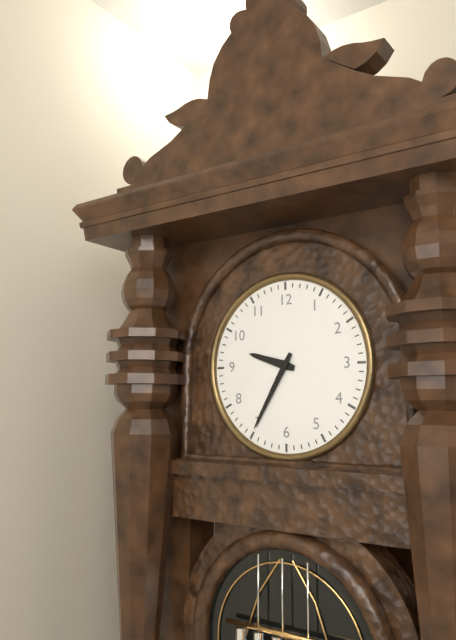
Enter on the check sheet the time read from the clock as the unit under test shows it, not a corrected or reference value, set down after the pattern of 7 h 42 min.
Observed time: 9 h 35 min
